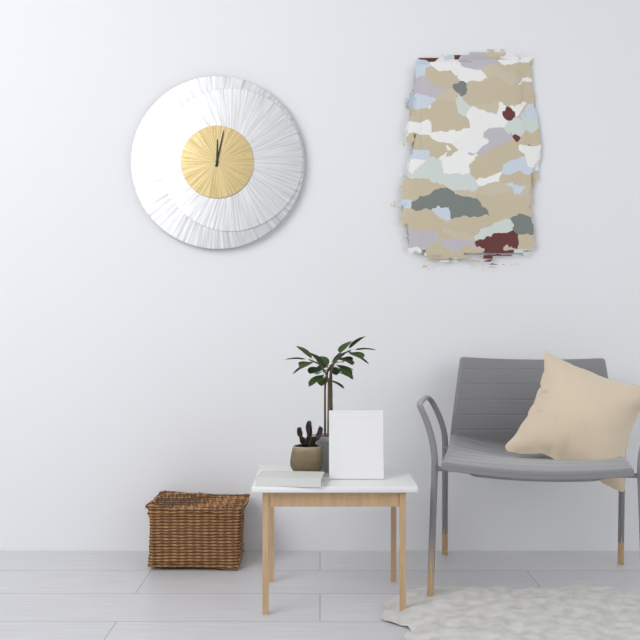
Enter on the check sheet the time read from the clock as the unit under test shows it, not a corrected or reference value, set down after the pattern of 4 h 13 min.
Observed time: 12 h 02 min
